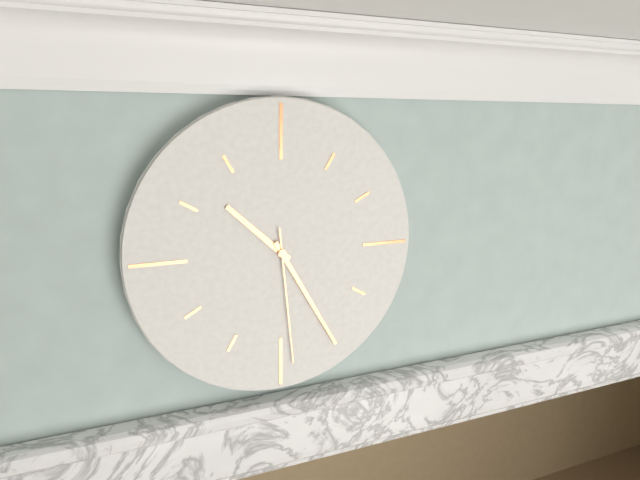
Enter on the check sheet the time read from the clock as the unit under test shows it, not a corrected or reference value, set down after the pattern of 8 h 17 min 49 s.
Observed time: 10 h 25 min 29 s
